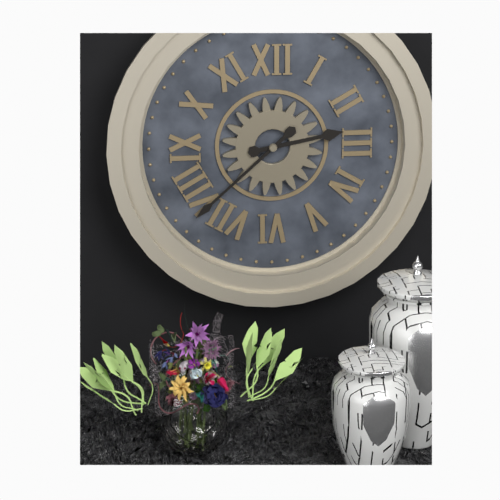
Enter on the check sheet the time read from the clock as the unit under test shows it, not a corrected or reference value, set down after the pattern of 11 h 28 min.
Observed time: 2 h 38 min
